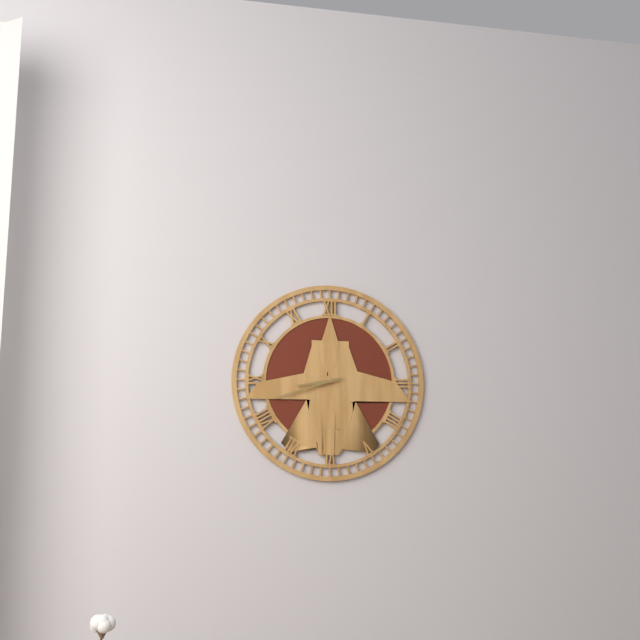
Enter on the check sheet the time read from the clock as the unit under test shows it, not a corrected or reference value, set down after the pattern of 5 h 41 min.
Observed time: 8 h 42 min
